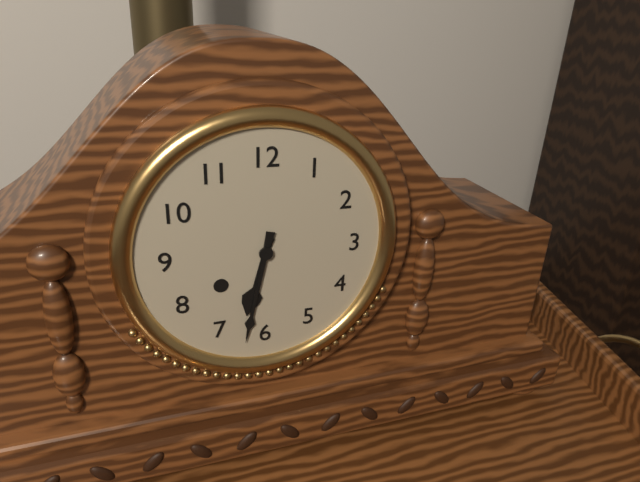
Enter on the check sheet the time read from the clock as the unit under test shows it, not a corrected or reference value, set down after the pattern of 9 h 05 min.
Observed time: 6 h 32 min
